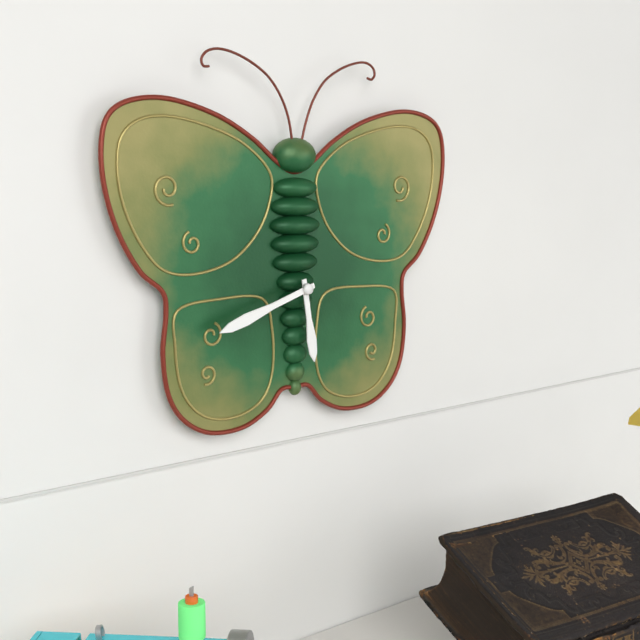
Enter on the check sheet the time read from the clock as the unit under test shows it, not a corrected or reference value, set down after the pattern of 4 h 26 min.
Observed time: 5 h 42 min
